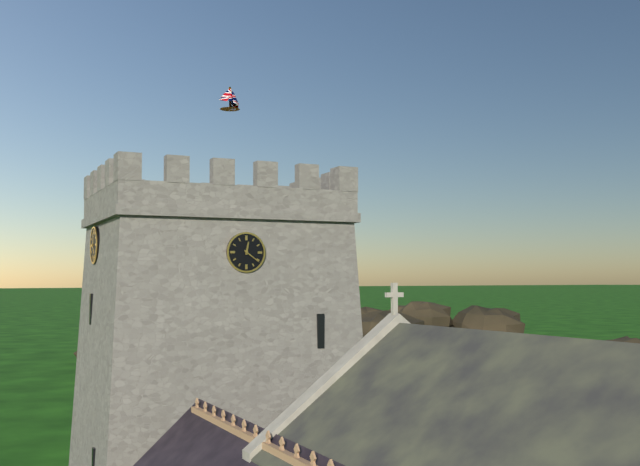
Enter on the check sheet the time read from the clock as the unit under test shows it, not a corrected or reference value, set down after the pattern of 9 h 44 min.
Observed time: 12 h 21 min
